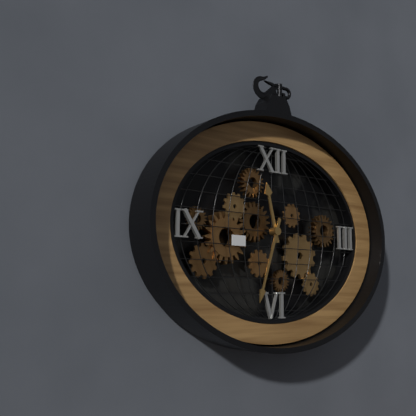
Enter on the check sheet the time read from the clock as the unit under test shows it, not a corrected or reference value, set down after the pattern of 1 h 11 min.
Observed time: 11 h 33 min
